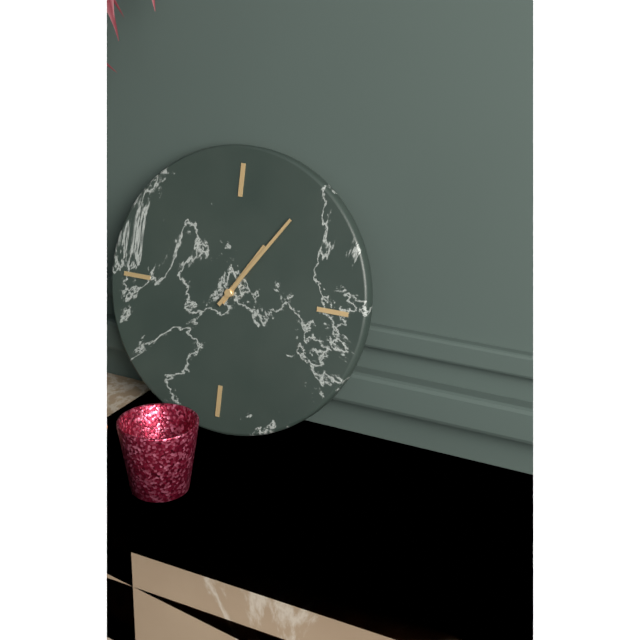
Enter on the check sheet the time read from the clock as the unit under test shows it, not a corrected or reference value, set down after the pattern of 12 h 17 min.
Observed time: 1 h 06 min
